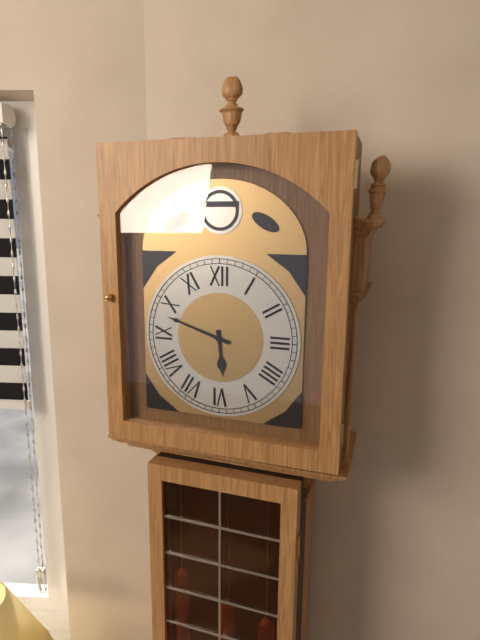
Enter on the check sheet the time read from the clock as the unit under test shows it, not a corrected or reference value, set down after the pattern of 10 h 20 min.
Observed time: 5 h 48 min
